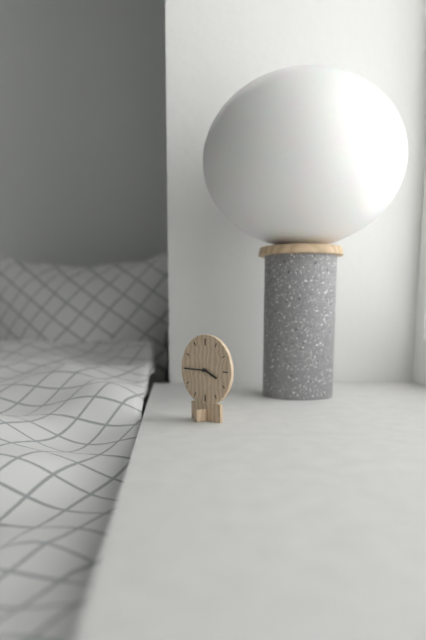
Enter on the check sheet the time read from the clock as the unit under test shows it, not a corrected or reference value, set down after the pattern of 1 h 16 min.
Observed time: 3 h 45 min
